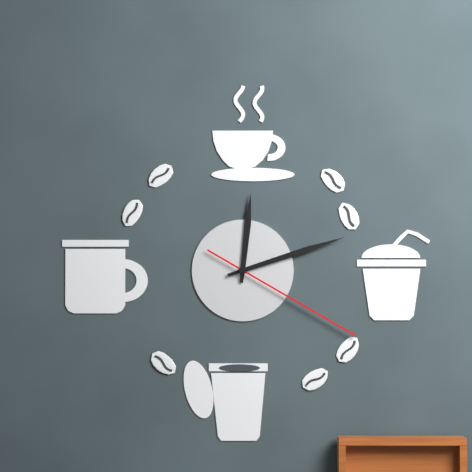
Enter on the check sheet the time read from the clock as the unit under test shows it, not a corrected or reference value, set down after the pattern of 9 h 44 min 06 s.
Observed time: 12 h 12 min 20 s
